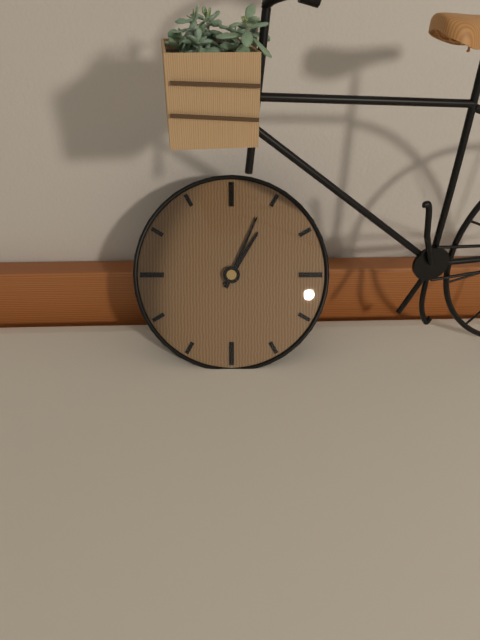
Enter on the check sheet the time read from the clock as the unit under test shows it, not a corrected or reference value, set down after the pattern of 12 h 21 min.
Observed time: 1 h 04 min
